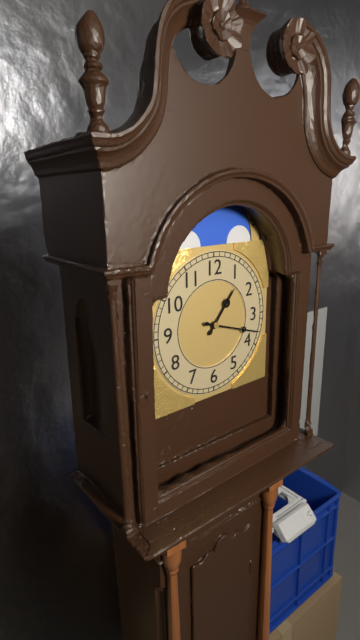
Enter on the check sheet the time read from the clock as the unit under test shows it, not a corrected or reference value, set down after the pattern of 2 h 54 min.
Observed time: 1 h 18 min
